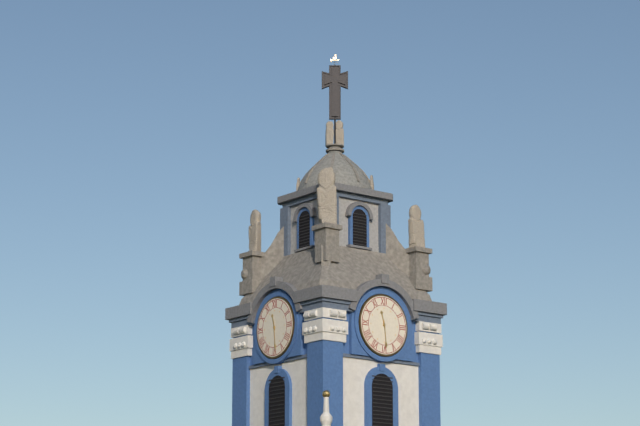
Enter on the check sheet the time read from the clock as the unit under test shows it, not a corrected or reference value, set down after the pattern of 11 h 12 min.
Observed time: 11 h 29 min
